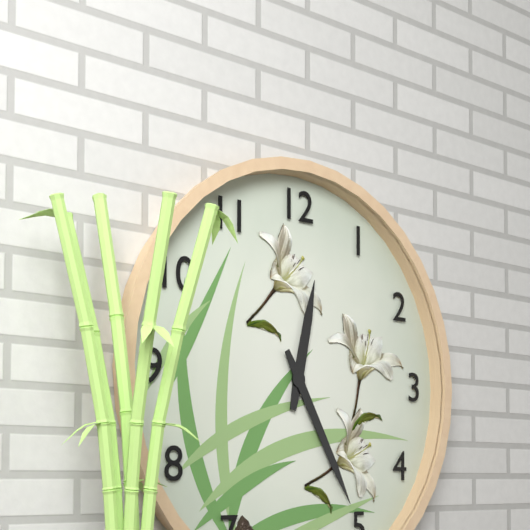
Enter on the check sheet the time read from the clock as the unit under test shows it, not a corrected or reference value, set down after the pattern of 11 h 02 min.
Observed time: 12 h 25 min
